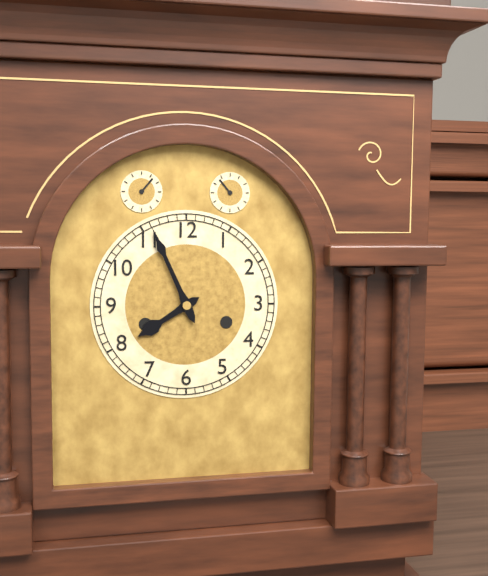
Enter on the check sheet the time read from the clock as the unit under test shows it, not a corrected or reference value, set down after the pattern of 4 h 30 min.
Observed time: 7 h 56 min
